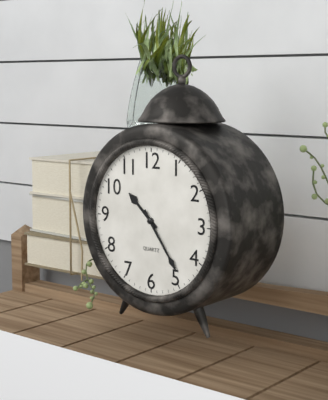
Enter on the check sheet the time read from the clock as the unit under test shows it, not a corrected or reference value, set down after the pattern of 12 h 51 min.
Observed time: 10 h 24 min
